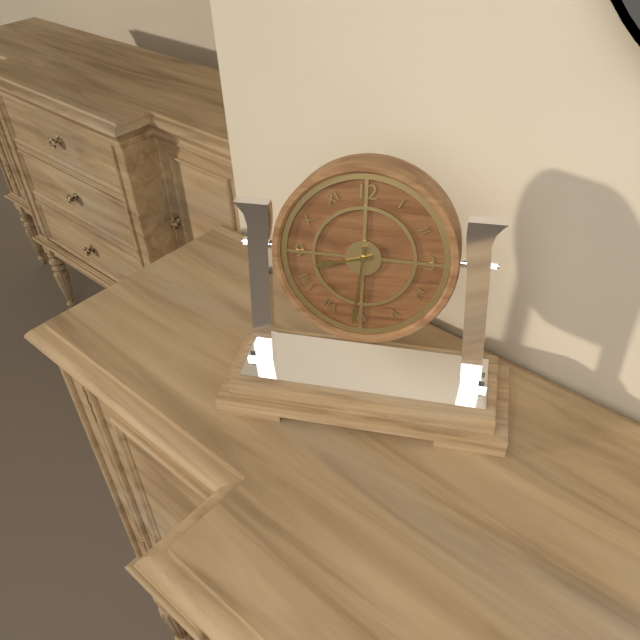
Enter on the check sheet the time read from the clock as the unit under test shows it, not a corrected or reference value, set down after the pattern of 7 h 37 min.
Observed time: 8 h 31 min
